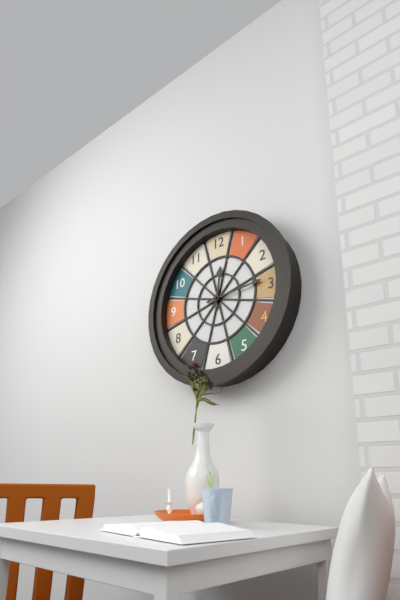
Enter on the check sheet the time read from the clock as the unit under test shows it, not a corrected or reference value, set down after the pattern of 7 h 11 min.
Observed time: 12 h 14 min
